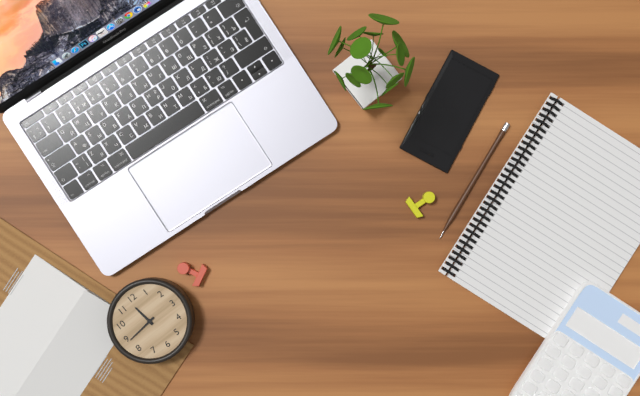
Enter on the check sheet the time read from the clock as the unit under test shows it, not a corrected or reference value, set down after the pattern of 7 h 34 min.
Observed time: 11 h 44 min
